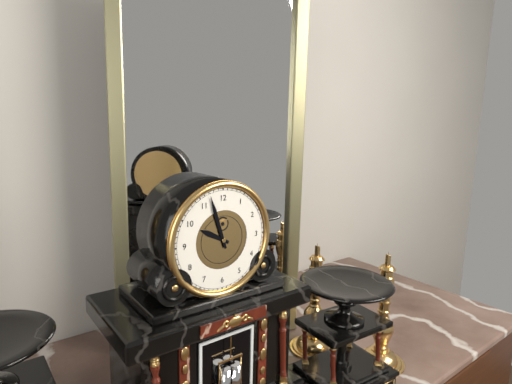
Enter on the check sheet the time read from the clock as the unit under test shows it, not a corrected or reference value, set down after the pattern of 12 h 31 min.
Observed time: 9 h 57 min
